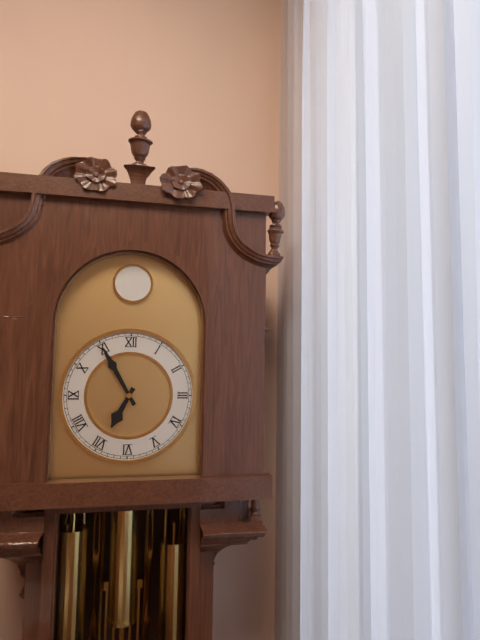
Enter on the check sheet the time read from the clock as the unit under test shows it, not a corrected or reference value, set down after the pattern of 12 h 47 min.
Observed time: 6 h 55 min
